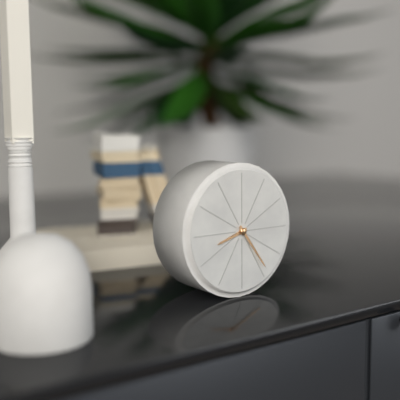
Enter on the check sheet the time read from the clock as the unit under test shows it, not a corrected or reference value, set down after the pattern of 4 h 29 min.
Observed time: 8 h 24 min
